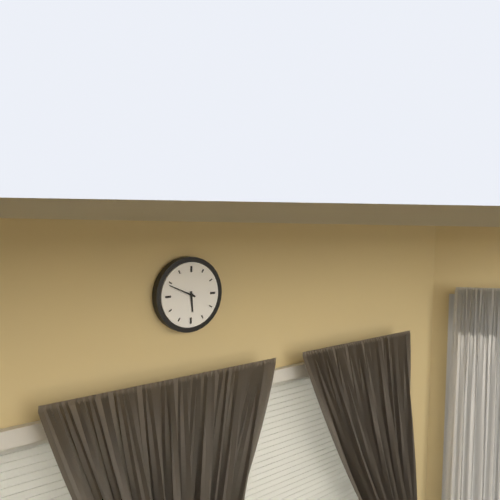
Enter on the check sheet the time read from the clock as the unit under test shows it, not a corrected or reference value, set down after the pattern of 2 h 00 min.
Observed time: 5 h 49 min
